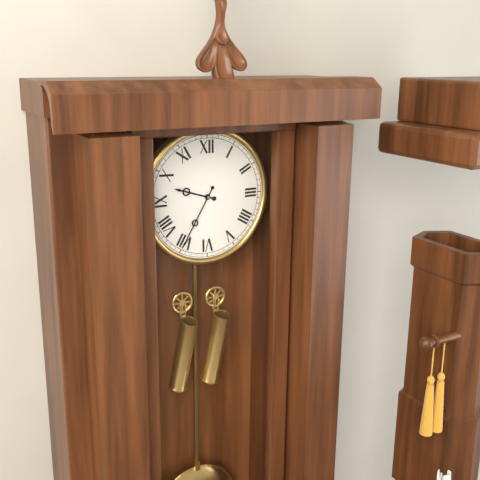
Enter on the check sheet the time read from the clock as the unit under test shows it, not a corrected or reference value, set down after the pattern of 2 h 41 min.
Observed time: 9 h 35 min
